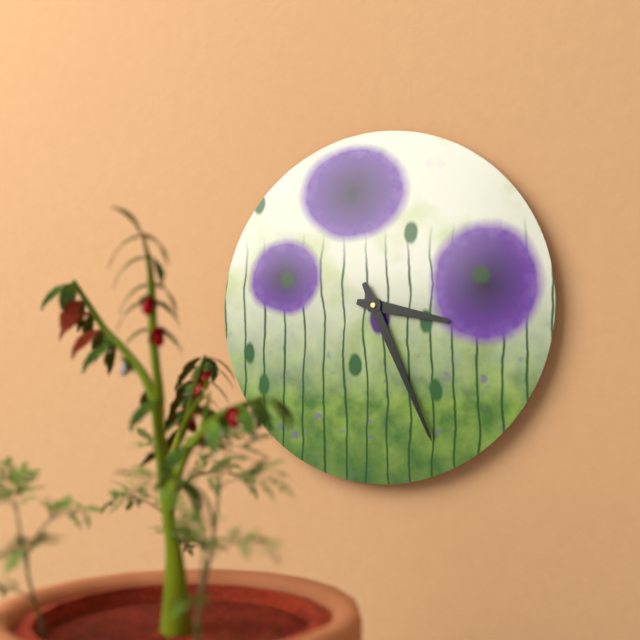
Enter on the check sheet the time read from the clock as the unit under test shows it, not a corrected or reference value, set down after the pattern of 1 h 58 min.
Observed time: 3 h 26 min
